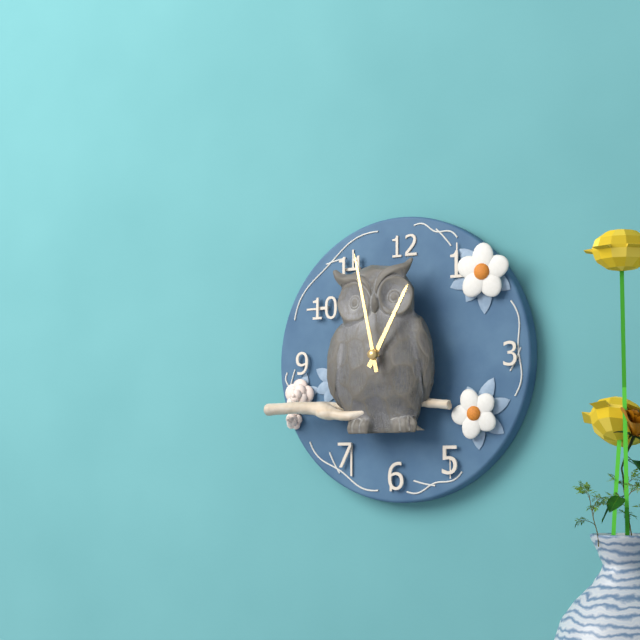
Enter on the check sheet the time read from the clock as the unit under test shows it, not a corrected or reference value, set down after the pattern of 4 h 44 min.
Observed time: 12 h 58 min
